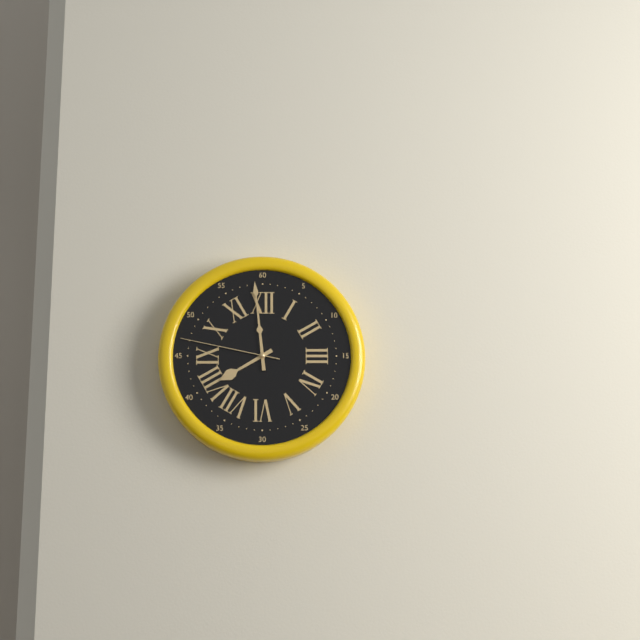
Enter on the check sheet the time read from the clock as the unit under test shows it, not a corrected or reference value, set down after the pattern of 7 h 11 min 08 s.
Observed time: 7 h 59 min 47 s
